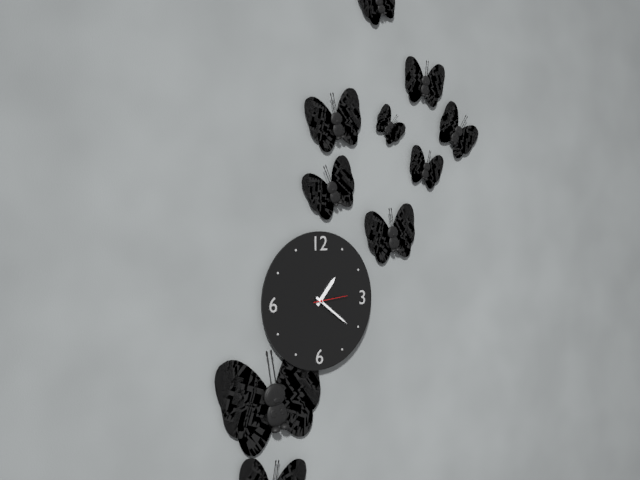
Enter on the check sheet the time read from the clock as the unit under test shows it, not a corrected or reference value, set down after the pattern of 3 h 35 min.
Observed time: 1 h 21 min
